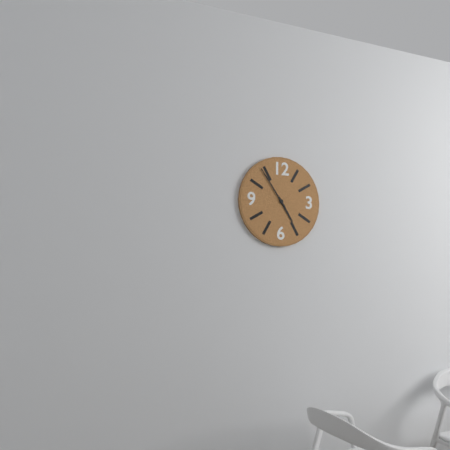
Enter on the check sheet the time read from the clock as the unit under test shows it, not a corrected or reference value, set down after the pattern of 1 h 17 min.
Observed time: 4 h 54 min
